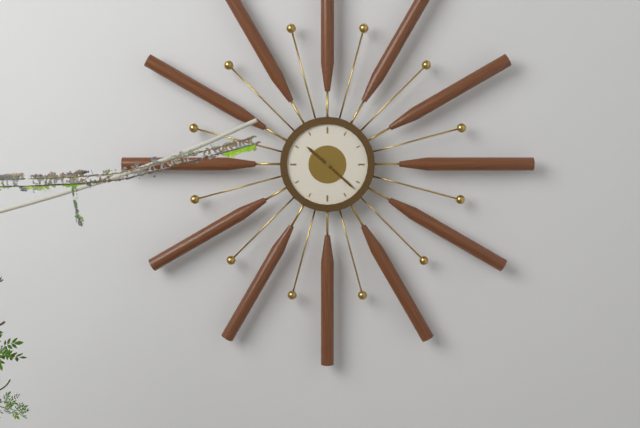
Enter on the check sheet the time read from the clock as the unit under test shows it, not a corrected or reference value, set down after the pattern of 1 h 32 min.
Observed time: 10 h 22 min
